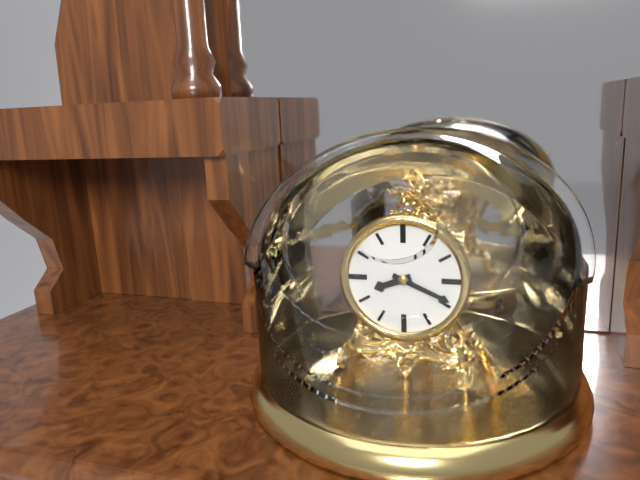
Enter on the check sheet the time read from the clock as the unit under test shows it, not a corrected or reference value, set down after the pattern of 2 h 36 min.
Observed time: 8 h 19 min
